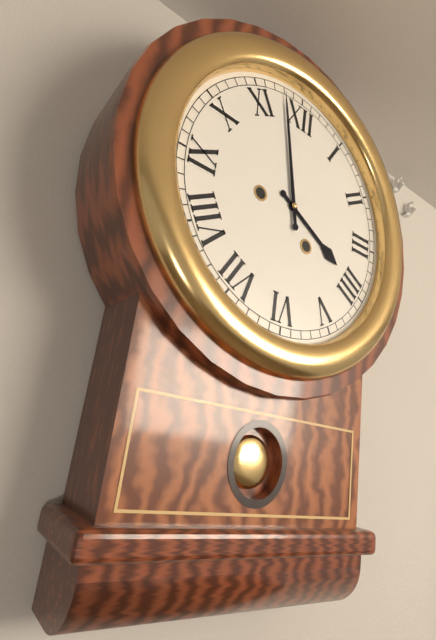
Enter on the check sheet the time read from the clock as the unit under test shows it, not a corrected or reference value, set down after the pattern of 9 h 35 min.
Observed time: 3 h 58 min
